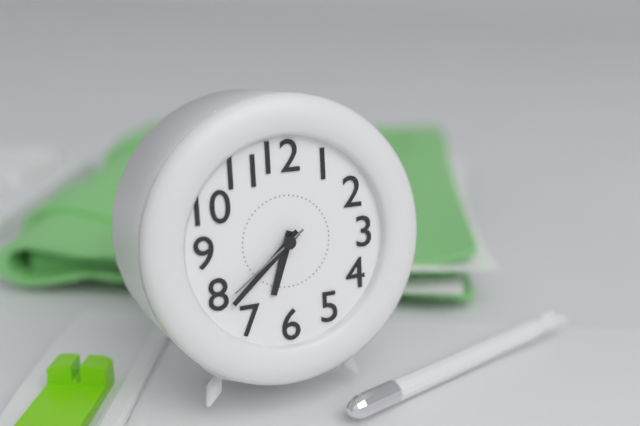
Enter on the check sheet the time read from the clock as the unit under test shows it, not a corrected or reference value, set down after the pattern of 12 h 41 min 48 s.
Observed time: 6 h 38 min 39 s
